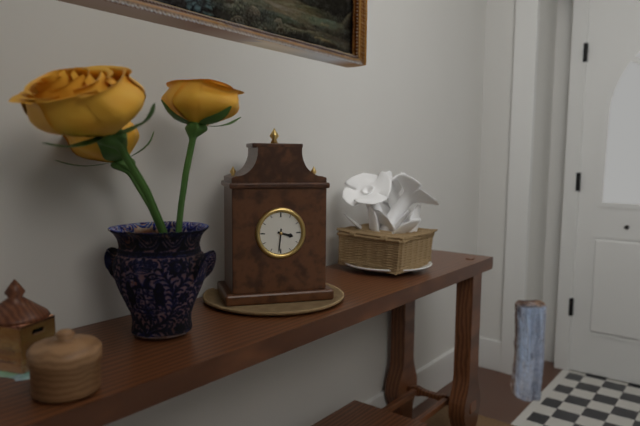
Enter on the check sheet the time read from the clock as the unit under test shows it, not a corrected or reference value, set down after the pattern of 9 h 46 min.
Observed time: 3 h 31 min
